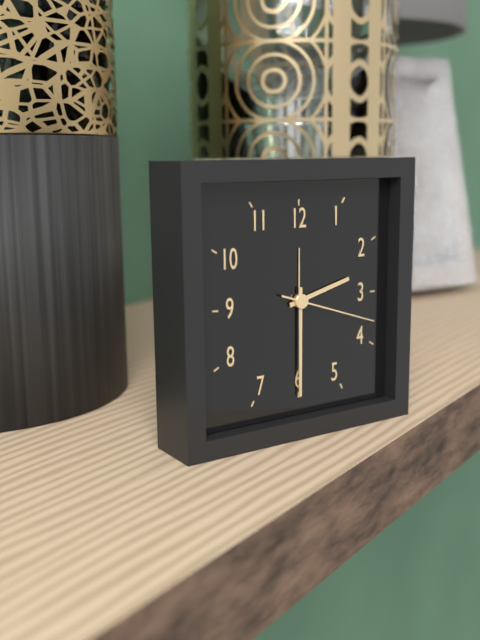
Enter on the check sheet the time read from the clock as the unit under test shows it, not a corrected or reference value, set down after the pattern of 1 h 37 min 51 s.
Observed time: 2 h 30 min 18 s
